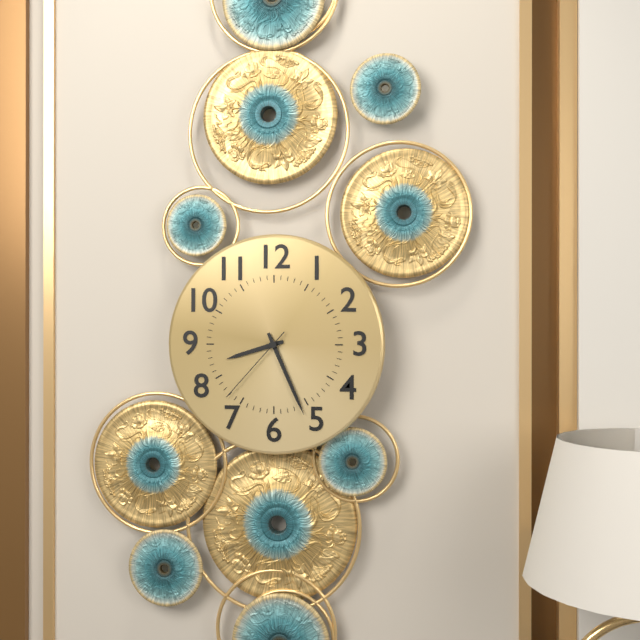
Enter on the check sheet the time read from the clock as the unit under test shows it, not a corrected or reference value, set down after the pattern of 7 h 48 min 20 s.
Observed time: 8 h 26 min 37 s
